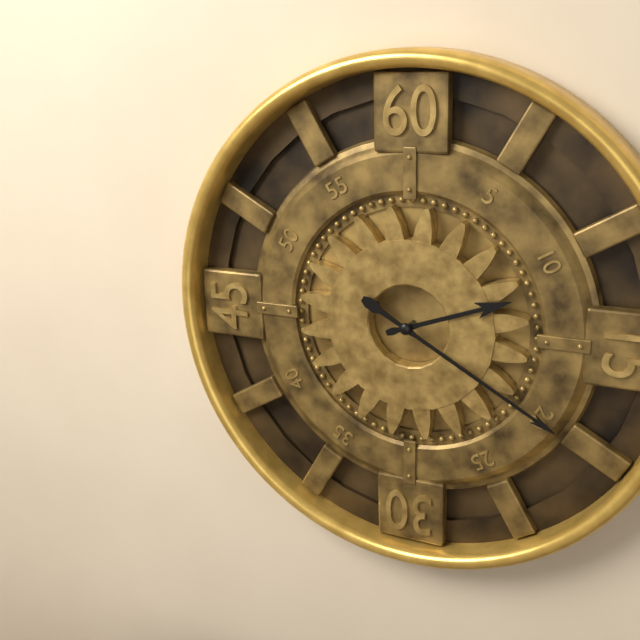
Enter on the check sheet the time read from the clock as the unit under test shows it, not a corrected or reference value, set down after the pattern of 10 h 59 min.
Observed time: 2 h 20 min
